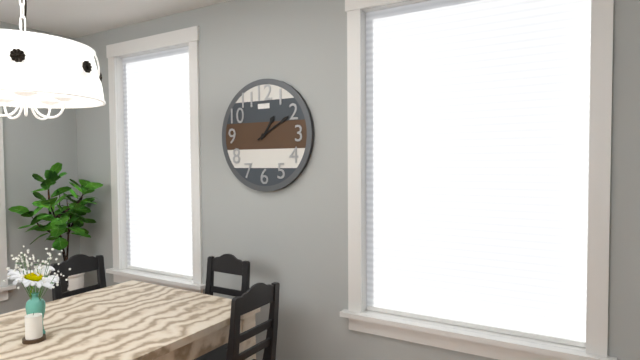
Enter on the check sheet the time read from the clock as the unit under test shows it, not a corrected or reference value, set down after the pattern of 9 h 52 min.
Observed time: 1 h 10 min
